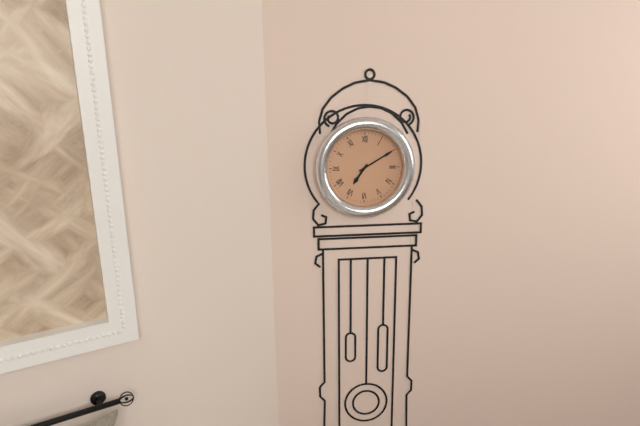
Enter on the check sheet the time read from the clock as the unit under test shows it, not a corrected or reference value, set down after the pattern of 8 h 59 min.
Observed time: 7 h 10 min
